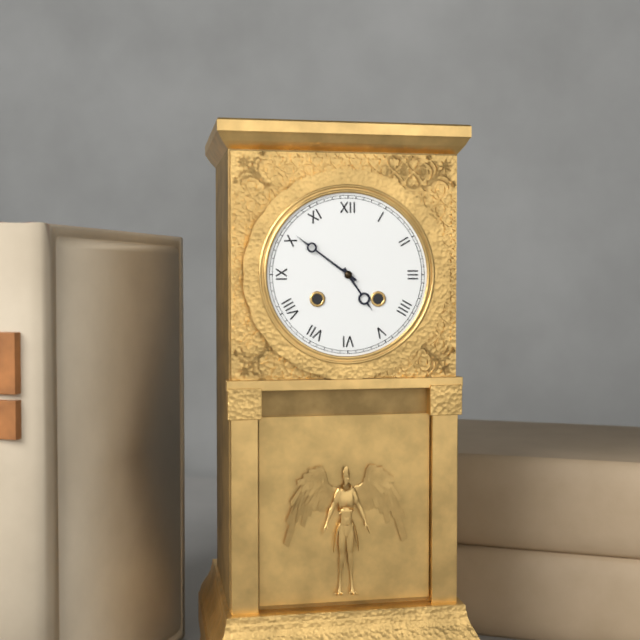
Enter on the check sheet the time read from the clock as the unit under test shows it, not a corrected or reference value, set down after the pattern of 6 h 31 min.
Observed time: 4 h 51 min
